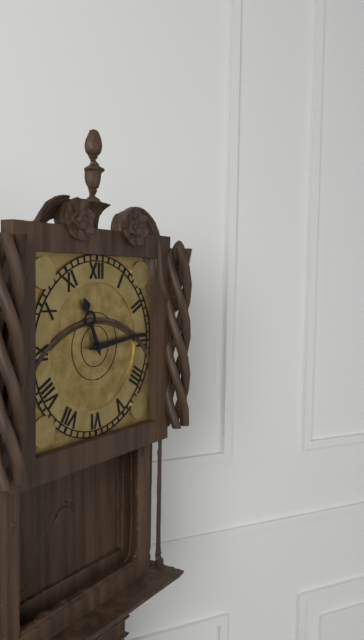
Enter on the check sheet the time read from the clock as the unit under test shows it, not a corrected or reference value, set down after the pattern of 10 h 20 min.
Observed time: 11 h 14 min
